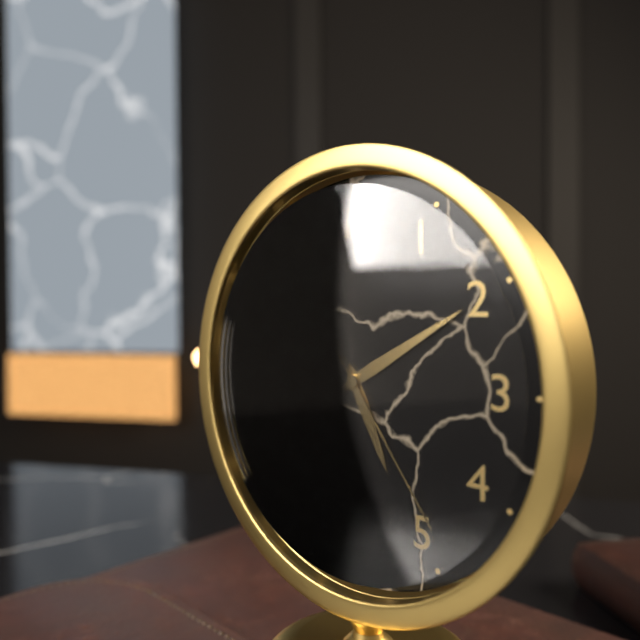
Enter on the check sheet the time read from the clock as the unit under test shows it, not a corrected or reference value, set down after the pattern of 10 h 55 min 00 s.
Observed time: 5 h 10 min 24 s
